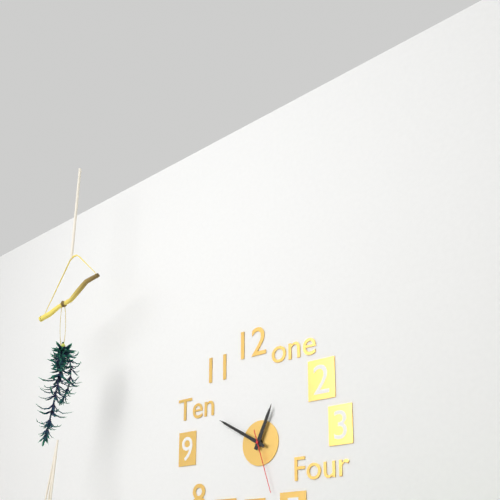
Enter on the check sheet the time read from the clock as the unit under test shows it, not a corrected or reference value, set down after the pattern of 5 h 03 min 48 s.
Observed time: 12 h 50 min 27 s
